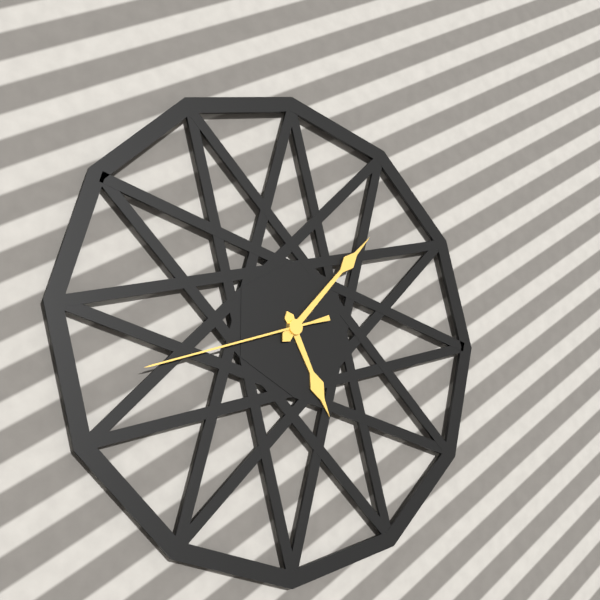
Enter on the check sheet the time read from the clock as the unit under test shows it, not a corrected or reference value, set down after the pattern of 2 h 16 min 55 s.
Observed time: 5 h 07 min 42 s
